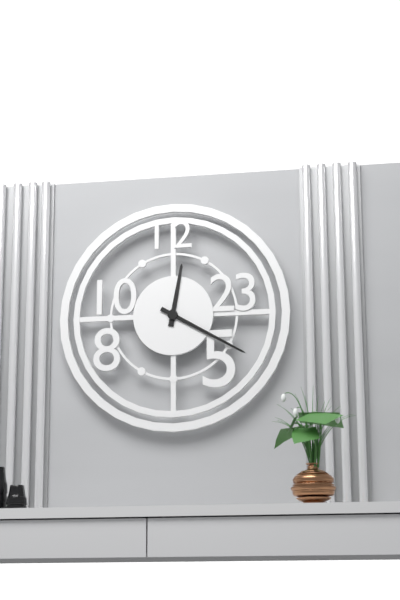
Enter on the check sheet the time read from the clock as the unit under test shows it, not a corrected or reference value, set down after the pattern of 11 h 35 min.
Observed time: 12 h 20 min
